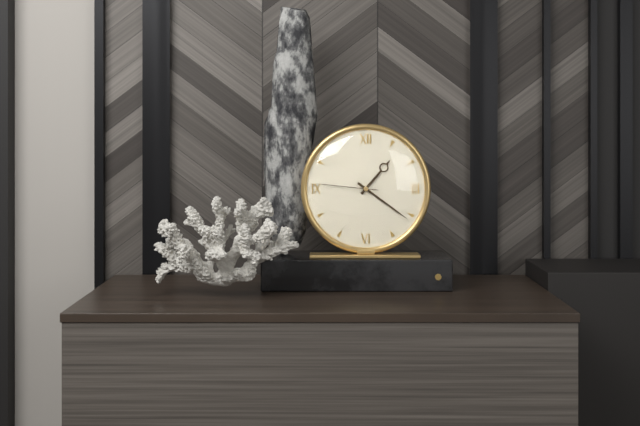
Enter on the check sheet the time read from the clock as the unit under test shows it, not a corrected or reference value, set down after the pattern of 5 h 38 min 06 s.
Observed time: 1 h 21 min 46 s
